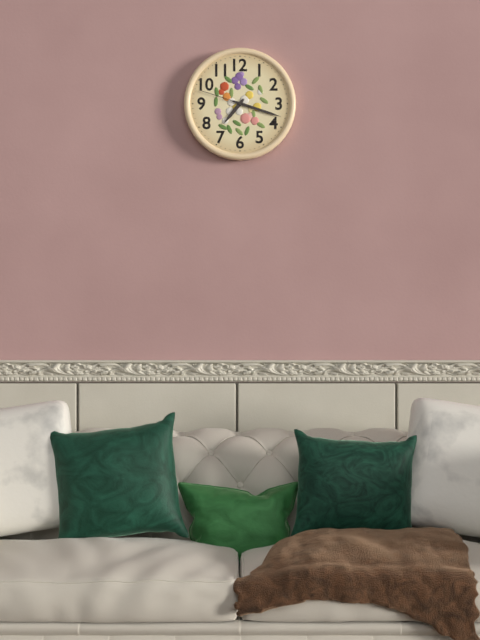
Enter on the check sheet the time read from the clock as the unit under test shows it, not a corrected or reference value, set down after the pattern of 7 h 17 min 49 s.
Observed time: 7 h 18 min 48 s
